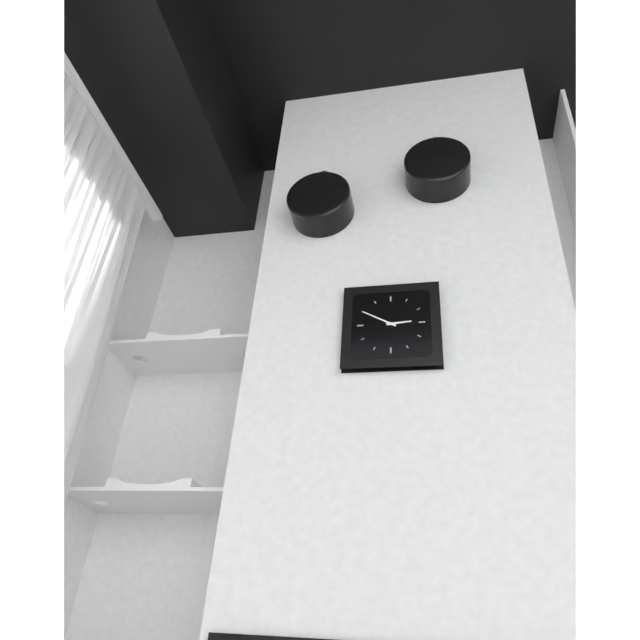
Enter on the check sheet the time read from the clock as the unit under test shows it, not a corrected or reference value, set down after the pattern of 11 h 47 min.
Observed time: 2 h 50 min
